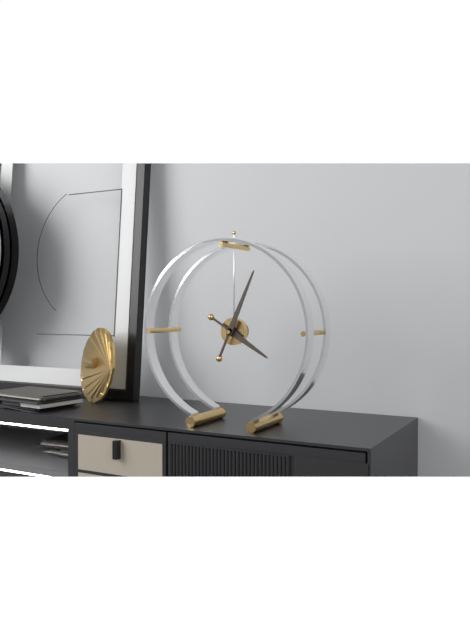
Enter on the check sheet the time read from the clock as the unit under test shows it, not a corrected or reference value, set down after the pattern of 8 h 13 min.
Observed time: 4 h 04 min
